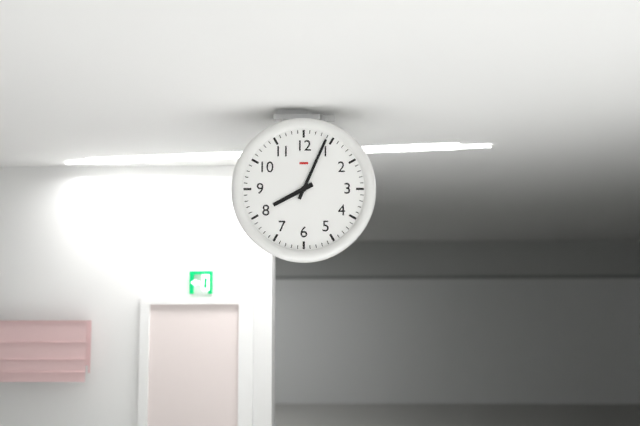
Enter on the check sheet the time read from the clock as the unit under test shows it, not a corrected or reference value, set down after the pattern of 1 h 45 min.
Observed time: 8 h 04 min
